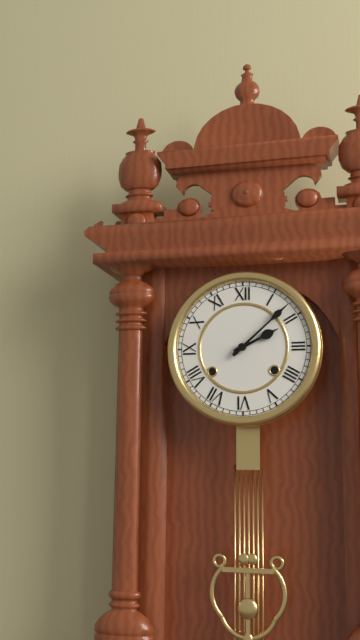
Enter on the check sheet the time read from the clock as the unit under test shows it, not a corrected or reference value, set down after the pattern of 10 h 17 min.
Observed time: 2 h 08 min
